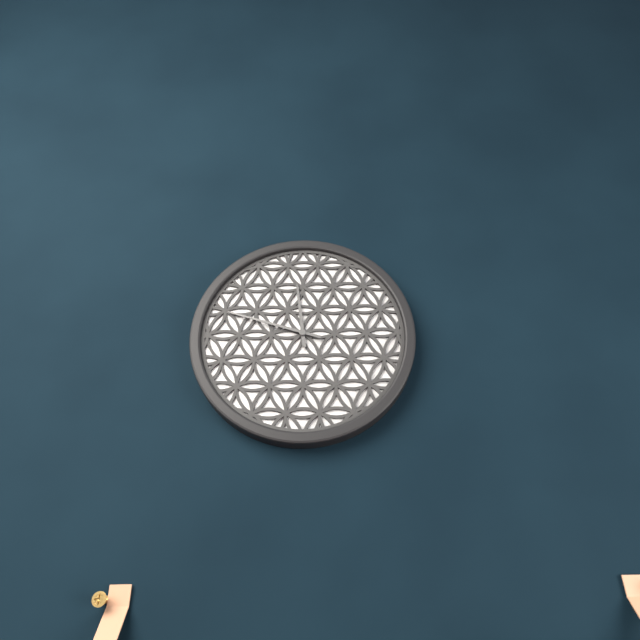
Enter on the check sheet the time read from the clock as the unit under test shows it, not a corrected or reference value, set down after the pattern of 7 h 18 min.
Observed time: 11 h 48 min
